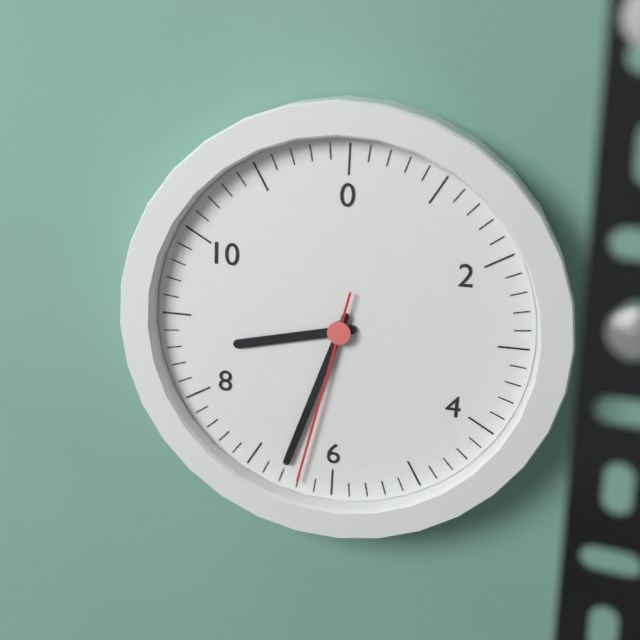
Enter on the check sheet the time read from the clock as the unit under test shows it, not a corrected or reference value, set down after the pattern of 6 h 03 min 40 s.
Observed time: 8 h 33 min 32 s
